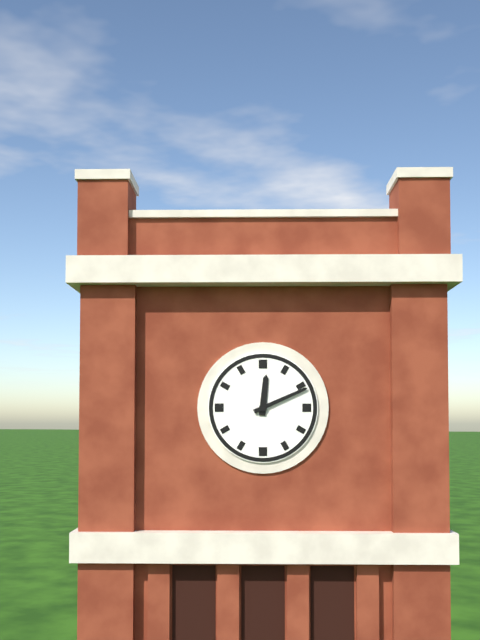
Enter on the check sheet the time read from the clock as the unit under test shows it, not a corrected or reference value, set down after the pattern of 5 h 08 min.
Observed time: 12 h 11 min
